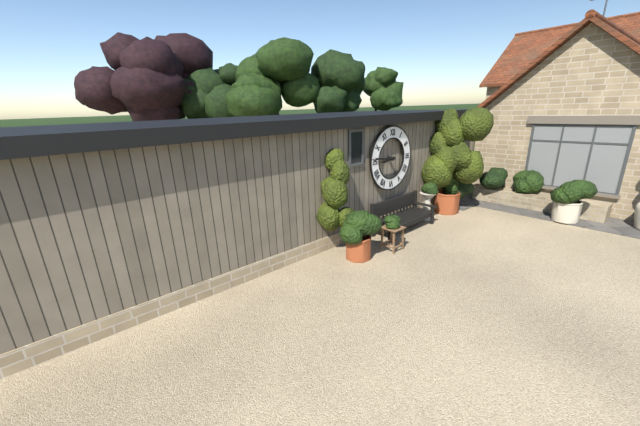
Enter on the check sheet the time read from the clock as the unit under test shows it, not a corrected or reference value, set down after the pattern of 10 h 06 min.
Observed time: 8 h 46 min
